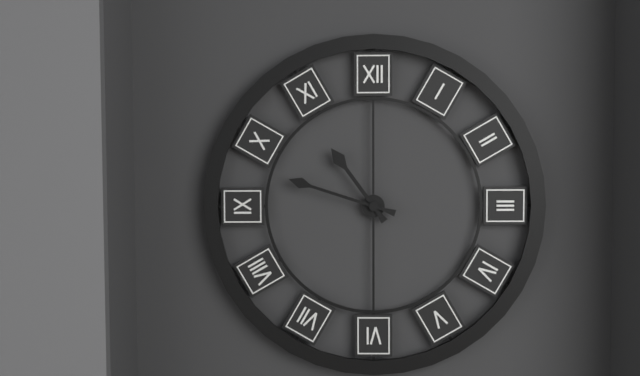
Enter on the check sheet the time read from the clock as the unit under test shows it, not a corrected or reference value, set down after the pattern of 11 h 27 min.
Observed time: 10 h 48 min
